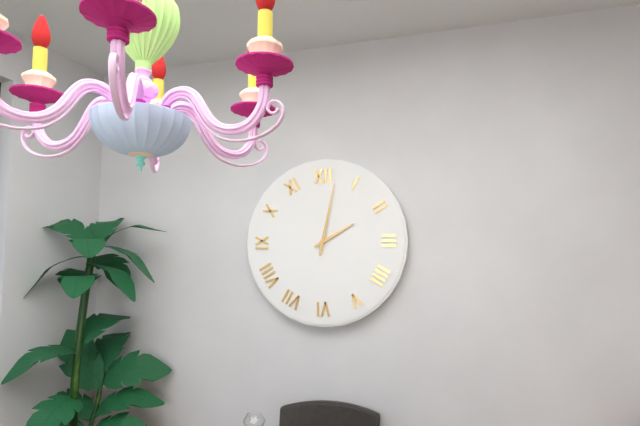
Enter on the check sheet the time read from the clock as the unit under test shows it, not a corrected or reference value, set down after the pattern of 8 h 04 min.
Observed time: 2 h 02 min
